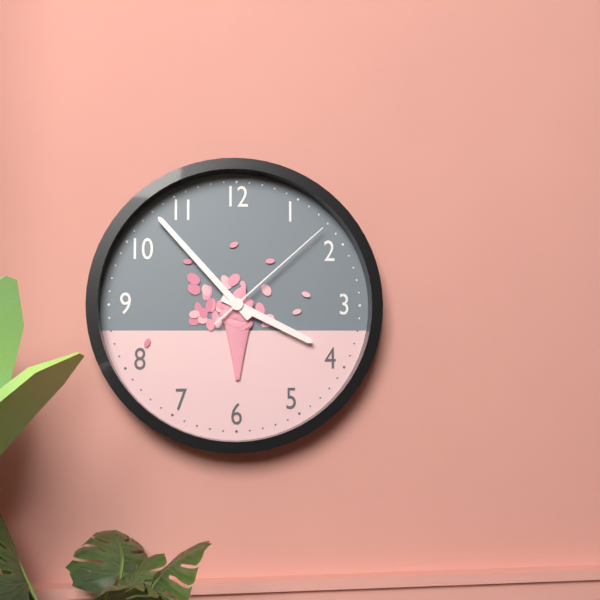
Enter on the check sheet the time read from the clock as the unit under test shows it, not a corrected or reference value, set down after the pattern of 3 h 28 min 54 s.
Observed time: 3 h 53 min 08 s
